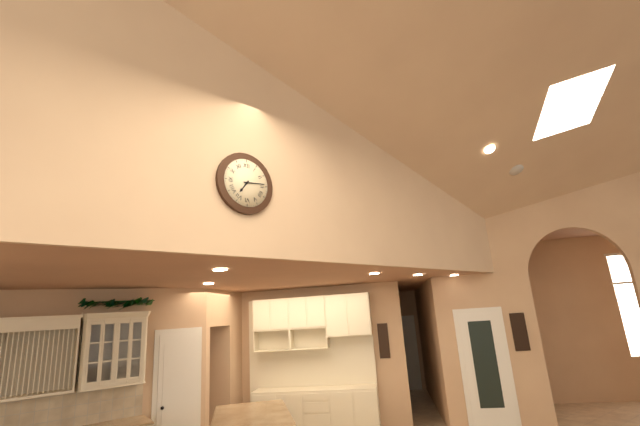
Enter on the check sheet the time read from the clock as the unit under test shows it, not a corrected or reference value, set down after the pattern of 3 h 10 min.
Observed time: 7 h 14 min
